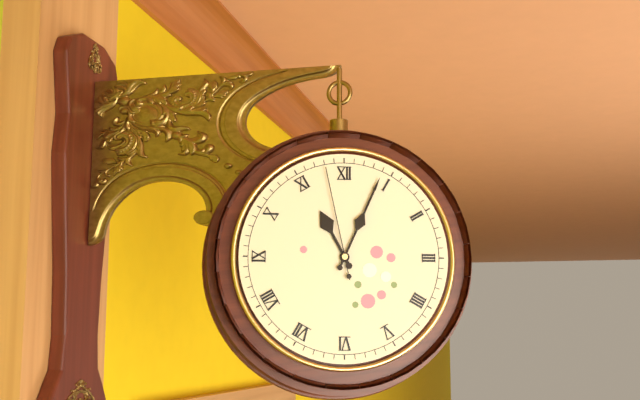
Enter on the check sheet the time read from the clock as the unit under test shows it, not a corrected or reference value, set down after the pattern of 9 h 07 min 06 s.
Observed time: 11 h 04 min 58 s
